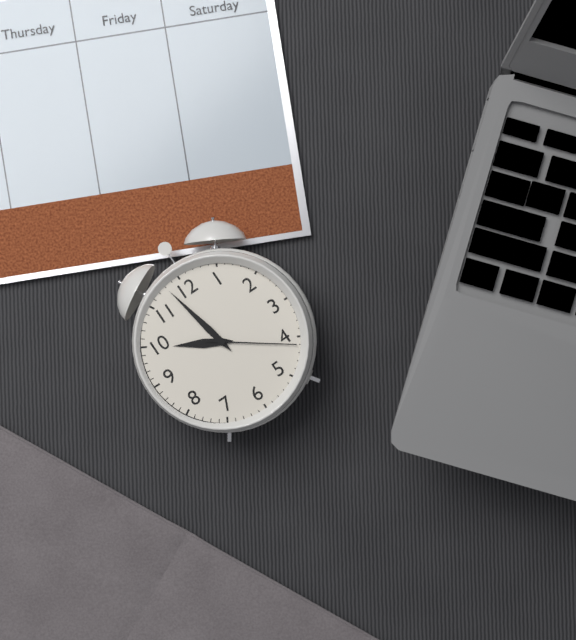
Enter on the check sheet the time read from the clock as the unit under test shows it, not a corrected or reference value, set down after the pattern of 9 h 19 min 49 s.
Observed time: 9 h 58 min 21 s
